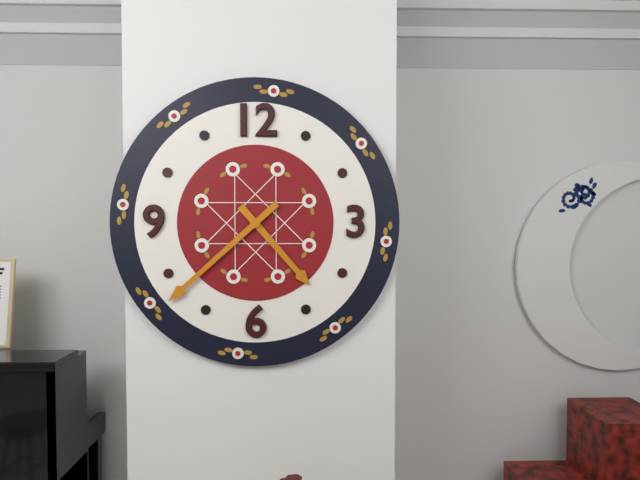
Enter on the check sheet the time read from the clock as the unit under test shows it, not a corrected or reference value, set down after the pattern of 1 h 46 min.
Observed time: 4 h 38 min
